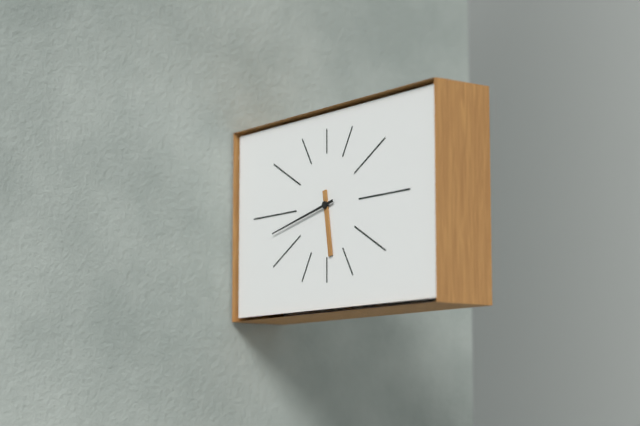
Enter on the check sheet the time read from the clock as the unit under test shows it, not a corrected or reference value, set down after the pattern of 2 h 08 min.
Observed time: 5 h 43 min
